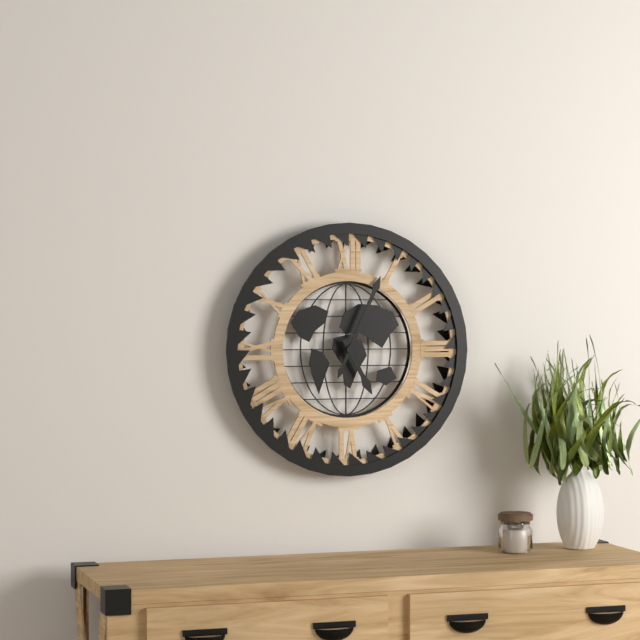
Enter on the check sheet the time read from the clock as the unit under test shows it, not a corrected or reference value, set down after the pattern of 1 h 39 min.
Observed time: 5 h 04 min
